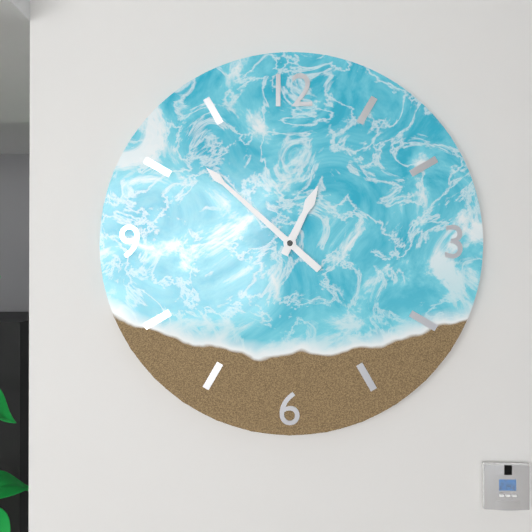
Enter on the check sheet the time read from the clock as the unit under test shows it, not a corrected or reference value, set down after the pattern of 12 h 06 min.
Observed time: 12 h 52 min
